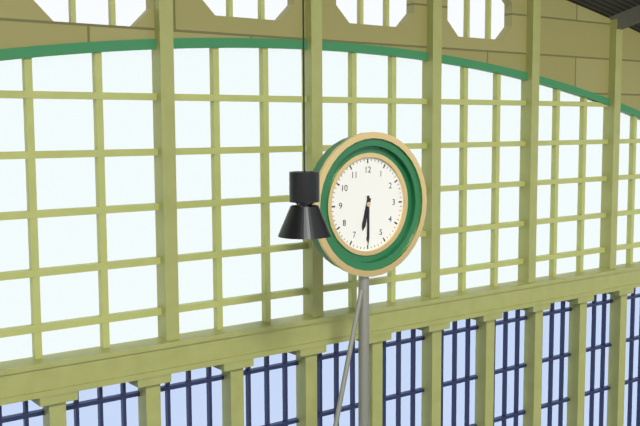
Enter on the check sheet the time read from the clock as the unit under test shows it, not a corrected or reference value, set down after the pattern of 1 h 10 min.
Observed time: 6 h 30 min
